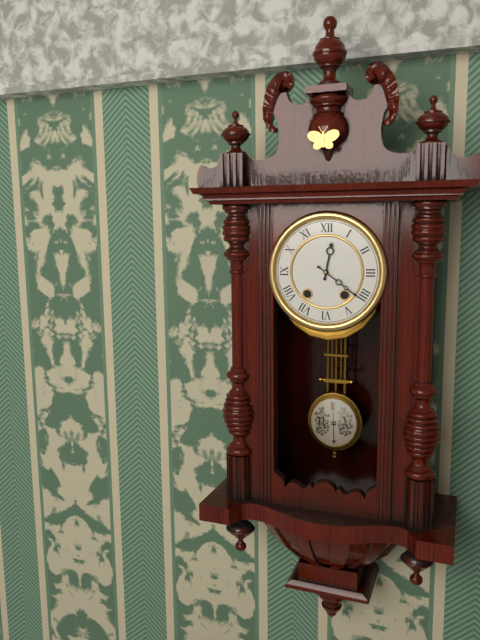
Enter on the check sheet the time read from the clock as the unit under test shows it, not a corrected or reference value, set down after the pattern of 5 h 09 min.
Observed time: 12 h 21 min
